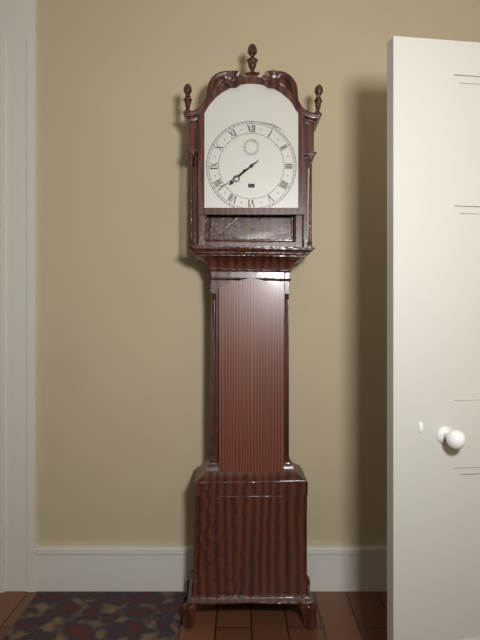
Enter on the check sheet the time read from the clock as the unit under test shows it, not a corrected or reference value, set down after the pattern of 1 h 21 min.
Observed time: 7 h 39 min
